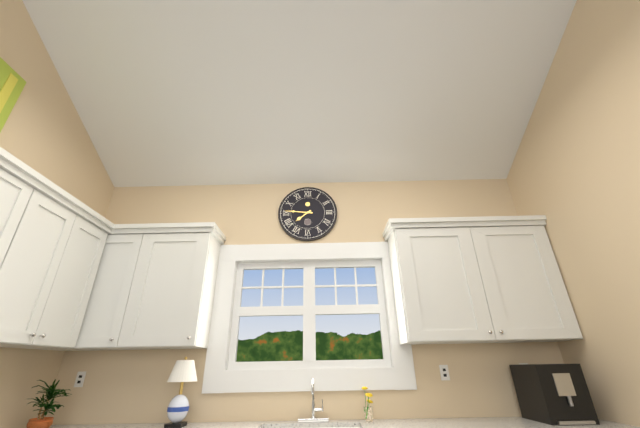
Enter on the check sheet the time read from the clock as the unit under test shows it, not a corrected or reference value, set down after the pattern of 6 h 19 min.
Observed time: 7 h 46 min
